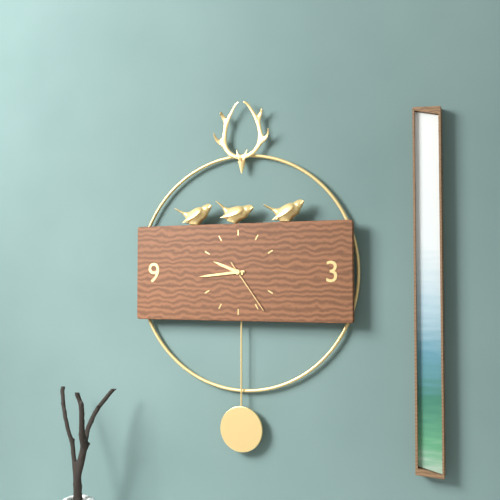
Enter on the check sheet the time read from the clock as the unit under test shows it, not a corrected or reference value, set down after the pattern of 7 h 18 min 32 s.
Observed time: 9 h 44 min 24 s
